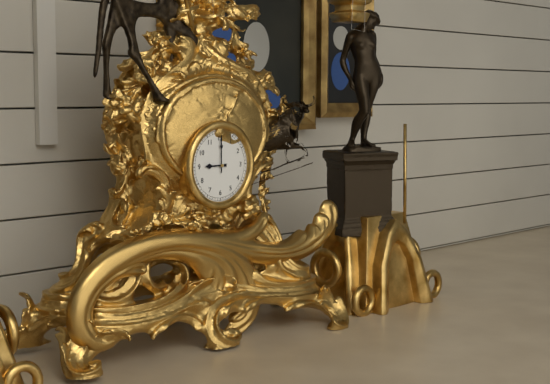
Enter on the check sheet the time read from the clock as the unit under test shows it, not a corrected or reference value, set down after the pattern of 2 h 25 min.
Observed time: 9 h 00 min
